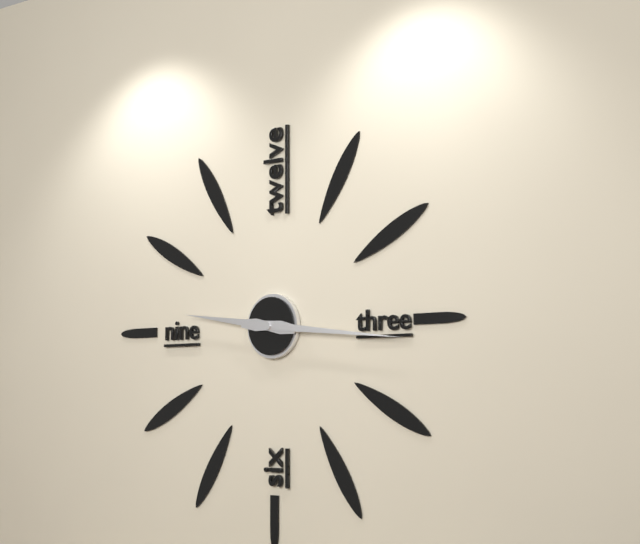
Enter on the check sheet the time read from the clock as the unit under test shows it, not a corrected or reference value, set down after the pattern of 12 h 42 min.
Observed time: 9 h 16 min
